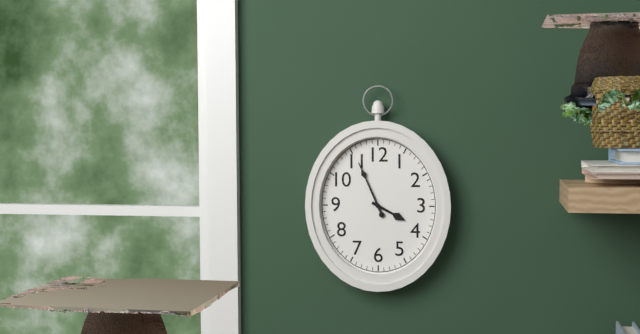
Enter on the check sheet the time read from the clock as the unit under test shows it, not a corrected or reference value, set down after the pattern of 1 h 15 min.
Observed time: 3 h 56 min
